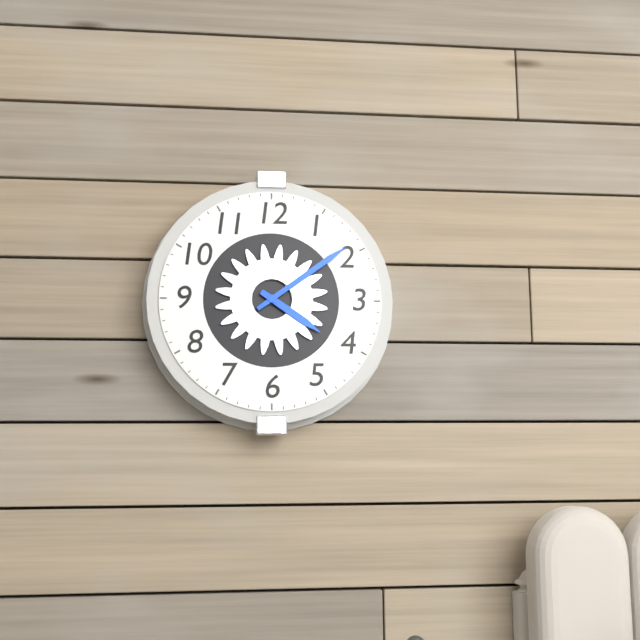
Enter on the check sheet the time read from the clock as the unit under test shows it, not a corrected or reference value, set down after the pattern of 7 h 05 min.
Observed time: 4 h 09 min
